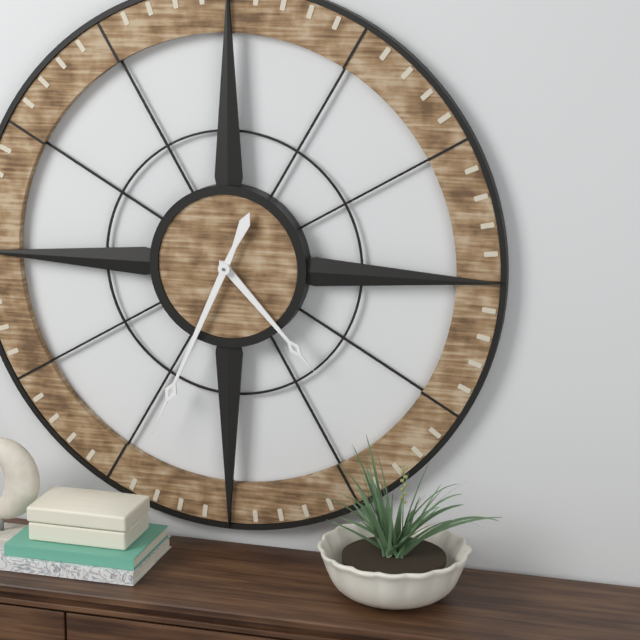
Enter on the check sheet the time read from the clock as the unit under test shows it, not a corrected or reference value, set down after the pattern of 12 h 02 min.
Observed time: 4 h 34 min
